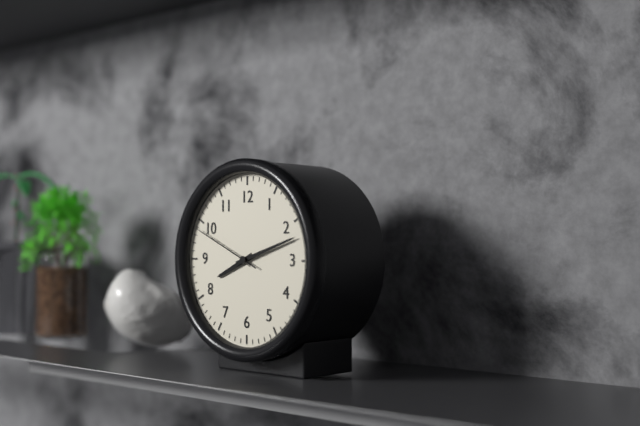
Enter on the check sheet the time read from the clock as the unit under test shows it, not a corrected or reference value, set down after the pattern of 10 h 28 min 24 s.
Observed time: 8 h 12 min 49 s
